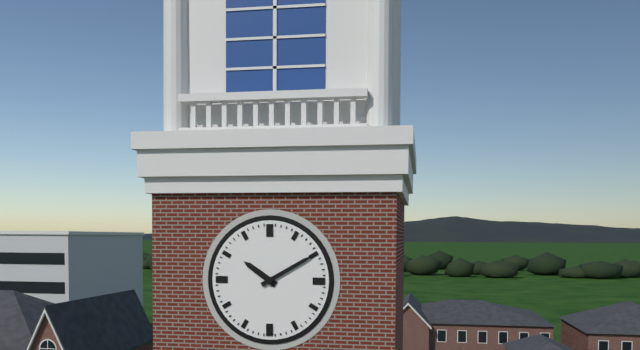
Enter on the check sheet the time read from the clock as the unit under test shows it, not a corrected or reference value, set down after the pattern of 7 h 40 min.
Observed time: 10 h 10 min
